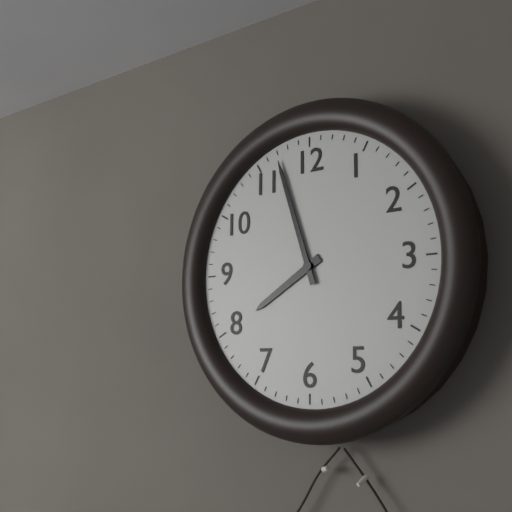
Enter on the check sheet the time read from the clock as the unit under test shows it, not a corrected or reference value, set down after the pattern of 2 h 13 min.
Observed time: 7 h 57 min
